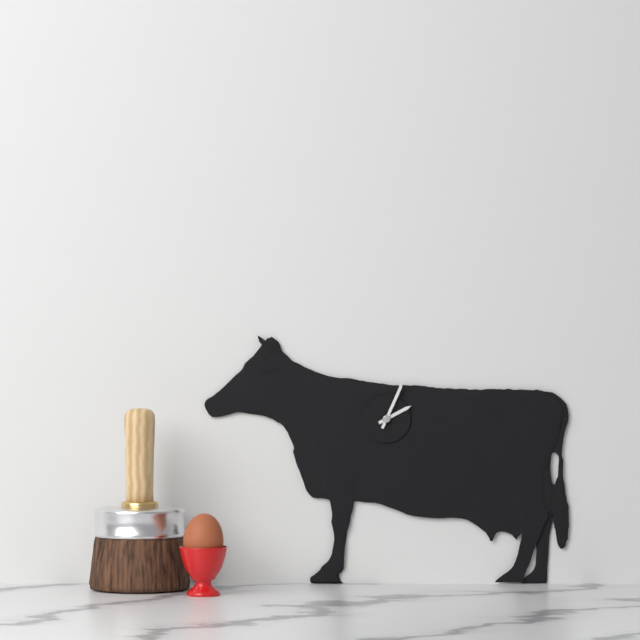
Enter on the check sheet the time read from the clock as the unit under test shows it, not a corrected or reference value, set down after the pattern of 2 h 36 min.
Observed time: 2 h 04 min
